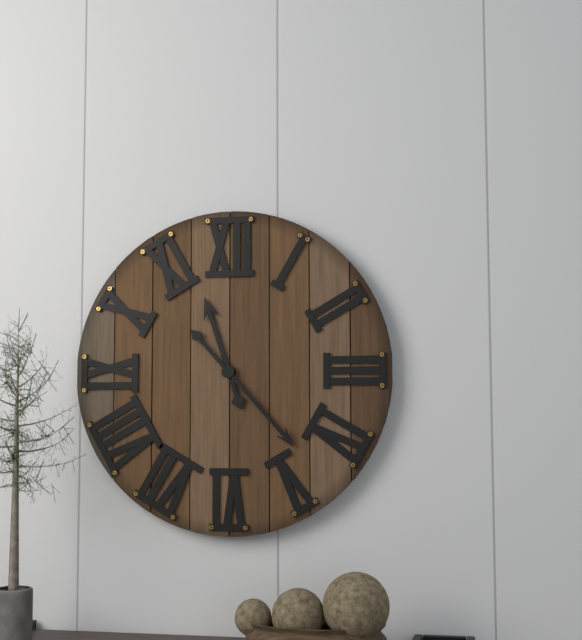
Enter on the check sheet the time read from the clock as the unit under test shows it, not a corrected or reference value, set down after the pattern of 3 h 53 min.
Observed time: 11 h 23 min
